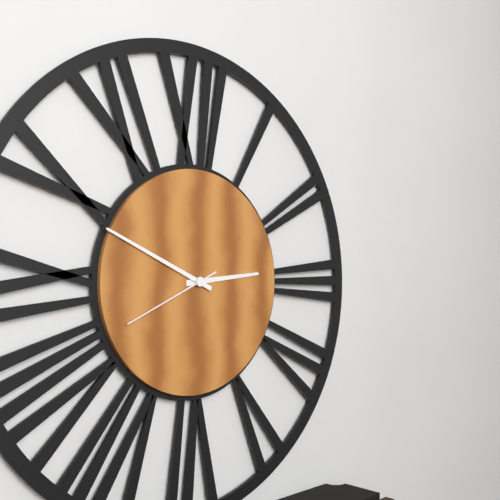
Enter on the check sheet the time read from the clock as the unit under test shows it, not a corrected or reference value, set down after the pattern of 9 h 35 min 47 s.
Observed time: 2 h 49 min 41 s
